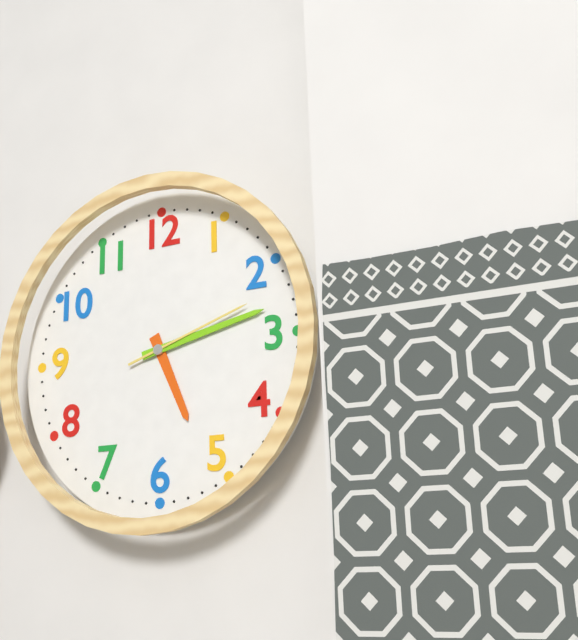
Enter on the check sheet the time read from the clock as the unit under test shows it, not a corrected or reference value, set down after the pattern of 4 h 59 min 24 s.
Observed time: 5 h 13 min 12 s
